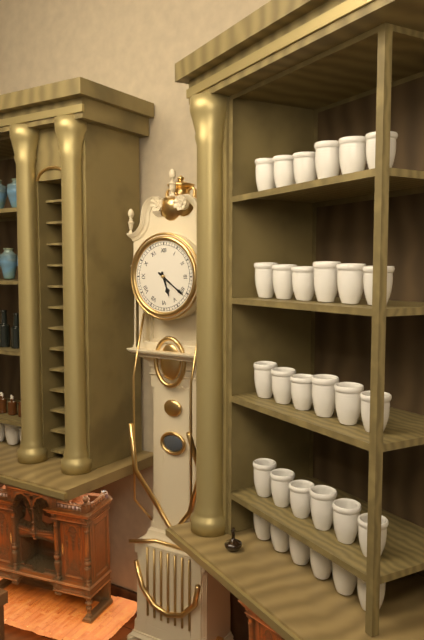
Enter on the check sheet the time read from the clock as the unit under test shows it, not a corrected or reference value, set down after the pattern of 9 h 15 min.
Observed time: 5 h 21 min
